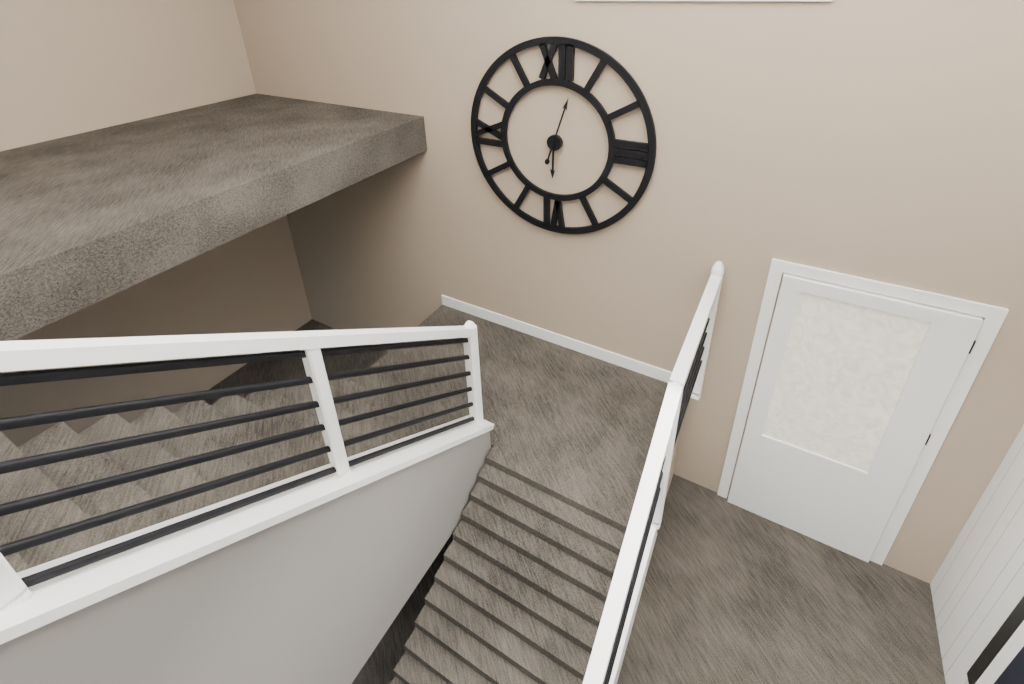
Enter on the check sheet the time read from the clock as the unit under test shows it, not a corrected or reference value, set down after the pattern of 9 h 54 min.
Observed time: 6 h 03 min
